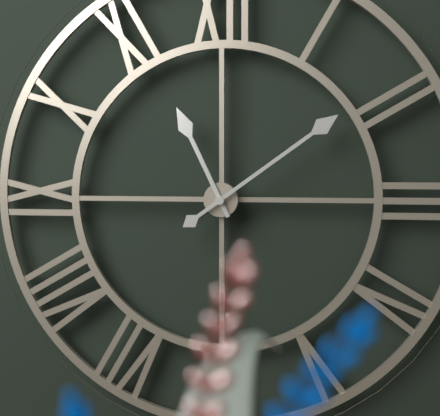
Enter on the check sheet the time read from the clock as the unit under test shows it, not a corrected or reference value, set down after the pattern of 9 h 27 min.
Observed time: 11 h 09 min
